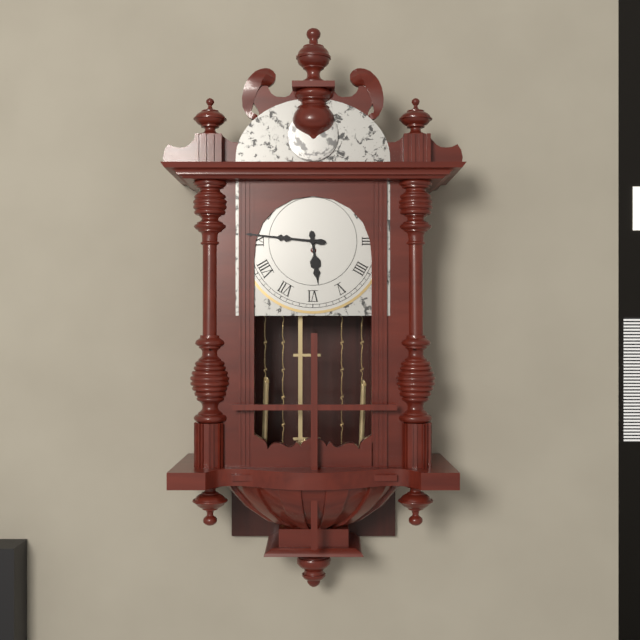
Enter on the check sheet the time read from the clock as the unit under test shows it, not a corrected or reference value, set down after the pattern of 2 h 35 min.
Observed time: 5 h 46 min
